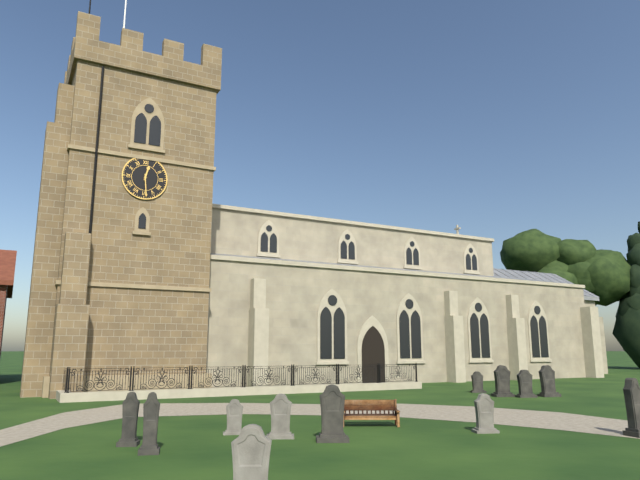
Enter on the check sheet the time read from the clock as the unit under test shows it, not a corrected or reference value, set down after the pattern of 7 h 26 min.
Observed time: 12 h 29 min
